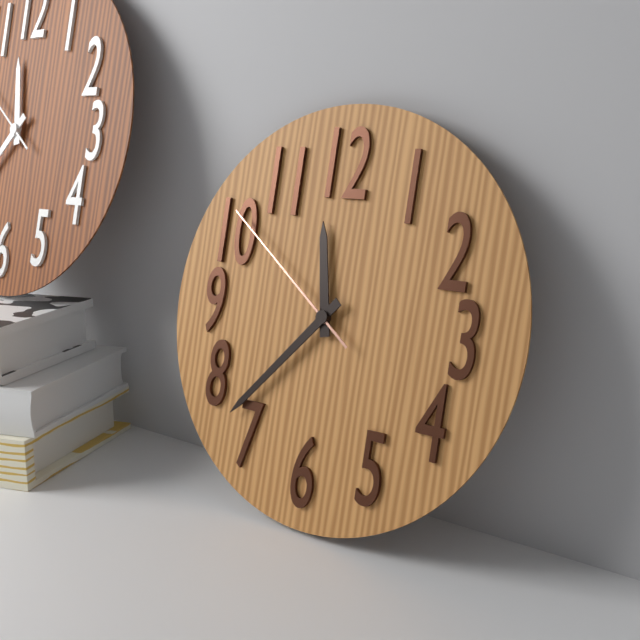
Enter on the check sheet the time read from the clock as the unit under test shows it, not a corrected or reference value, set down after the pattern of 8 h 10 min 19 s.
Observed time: 11 h 37 min 51 s
